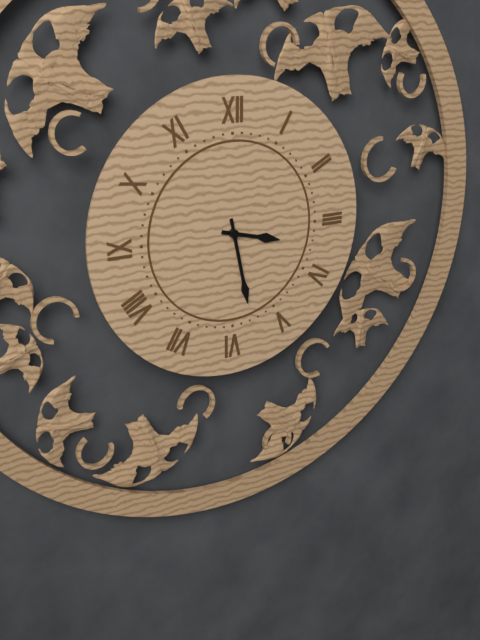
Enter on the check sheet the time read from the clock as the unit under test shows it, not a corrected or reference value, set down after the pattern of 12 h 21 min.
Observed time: 3 h 28 min
